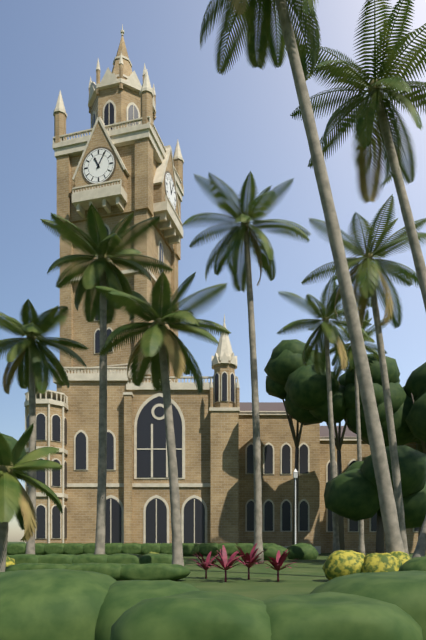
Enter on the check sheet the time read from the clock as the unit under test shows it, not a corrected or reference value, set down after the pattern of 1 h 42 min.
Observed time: 11 h 05 min
